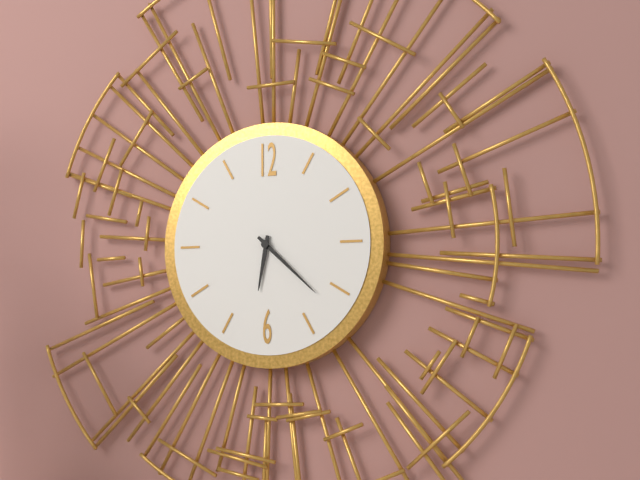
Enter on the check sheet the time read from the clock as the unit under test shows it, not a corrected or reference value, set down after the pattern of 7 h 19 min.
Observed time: 6 h 22 min
